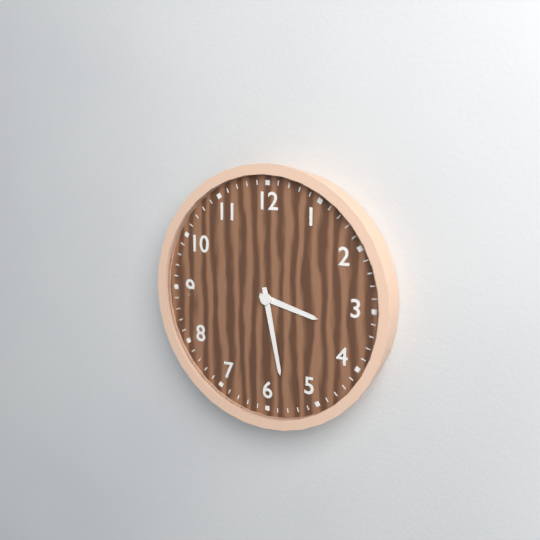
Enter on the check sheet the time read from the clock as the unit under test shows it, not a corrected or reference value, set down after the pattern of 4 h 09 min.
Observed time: 3 h 28 min
